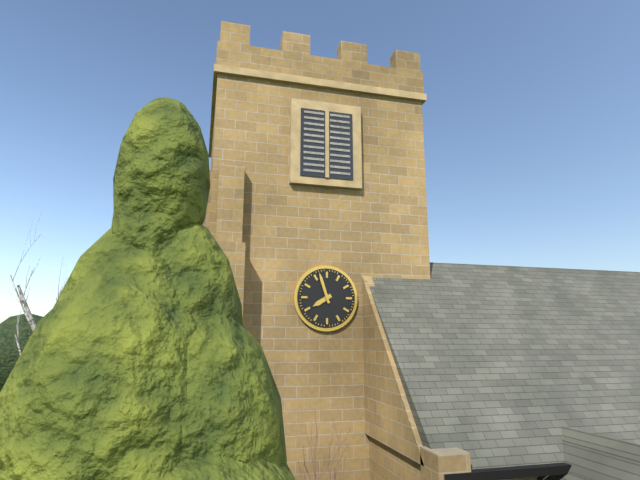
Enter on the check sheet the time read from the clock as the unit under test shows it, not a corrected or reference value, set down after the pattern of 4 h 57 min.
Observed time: 7 h 57 min
